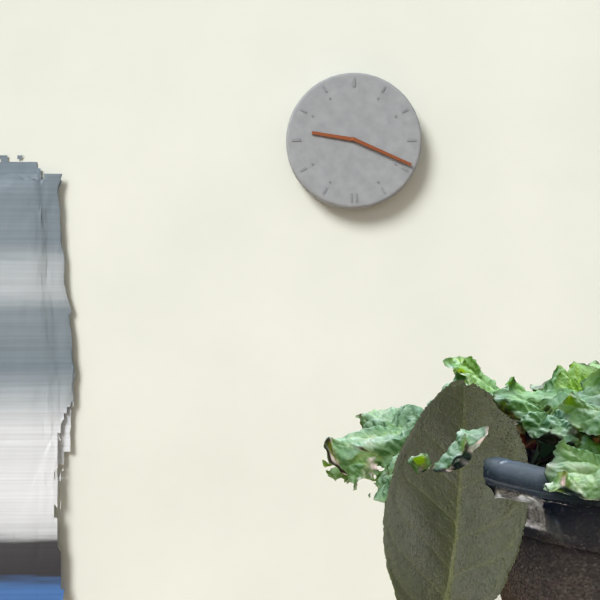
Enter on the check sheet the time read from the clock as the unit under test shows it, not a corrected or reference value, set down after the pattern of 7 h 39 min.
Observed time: 9 h 19 min
